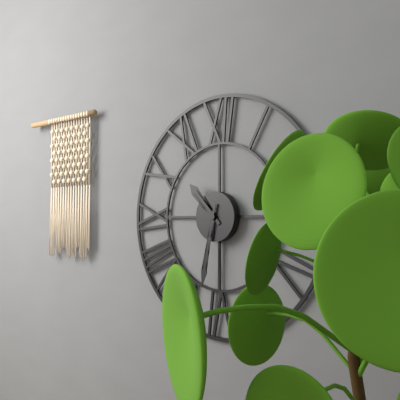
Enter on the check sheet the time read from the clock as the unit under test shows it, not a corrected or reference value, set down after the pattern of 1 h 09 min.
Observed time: 10 h 32 min
